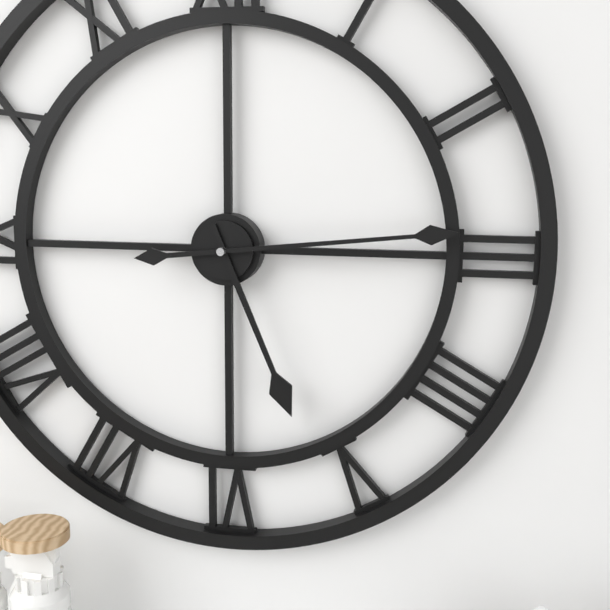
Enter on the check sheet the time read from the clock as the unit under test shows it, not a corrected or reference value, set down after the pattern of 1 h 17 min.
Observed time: 5 h 14 min
